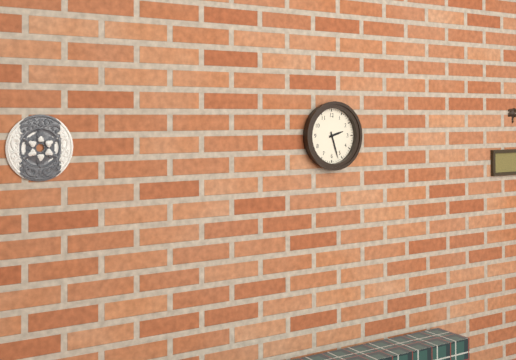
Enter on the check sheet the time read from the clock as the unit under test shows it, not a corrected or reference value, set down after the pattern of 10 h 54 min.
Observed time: 2 h 27 min
